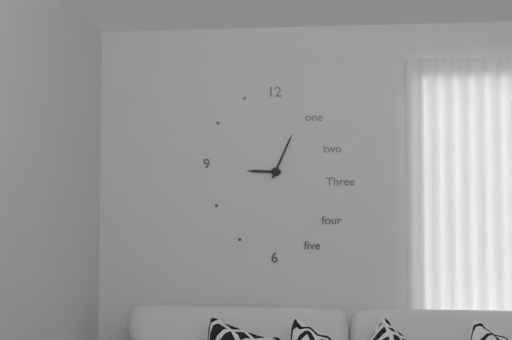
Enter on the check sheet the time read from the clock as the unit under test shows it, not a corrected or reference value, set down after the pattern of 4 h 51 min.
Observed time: 9 h 04 min
